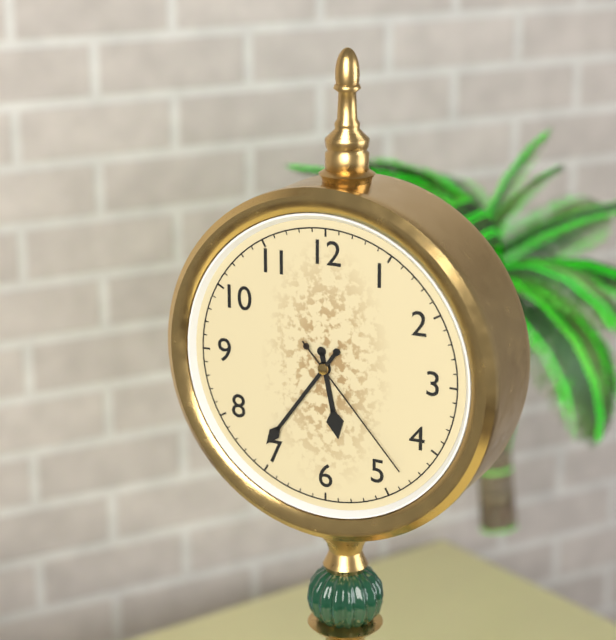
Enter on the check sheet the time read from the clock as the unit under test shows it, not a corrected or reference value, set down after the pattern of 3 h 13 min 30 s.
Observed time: 5 h 36 min 23 s
